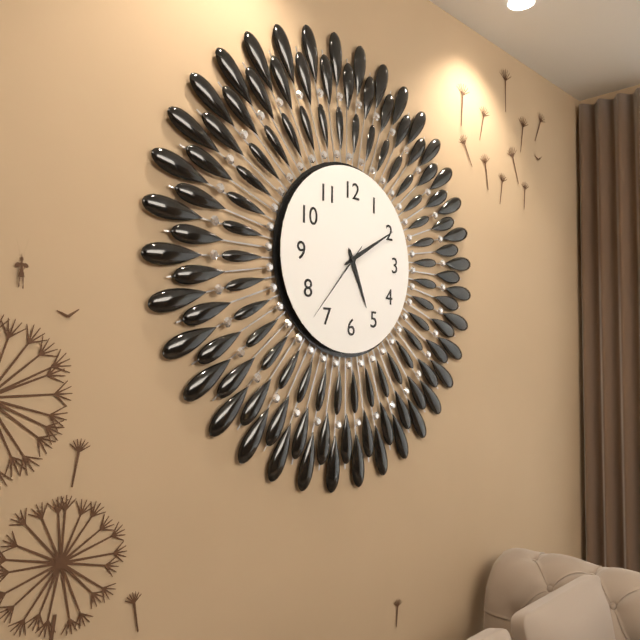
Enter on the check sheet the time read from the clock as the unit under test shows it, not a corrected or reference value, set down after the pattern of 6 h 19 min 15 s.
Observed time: 5 h 10 min 37 s
